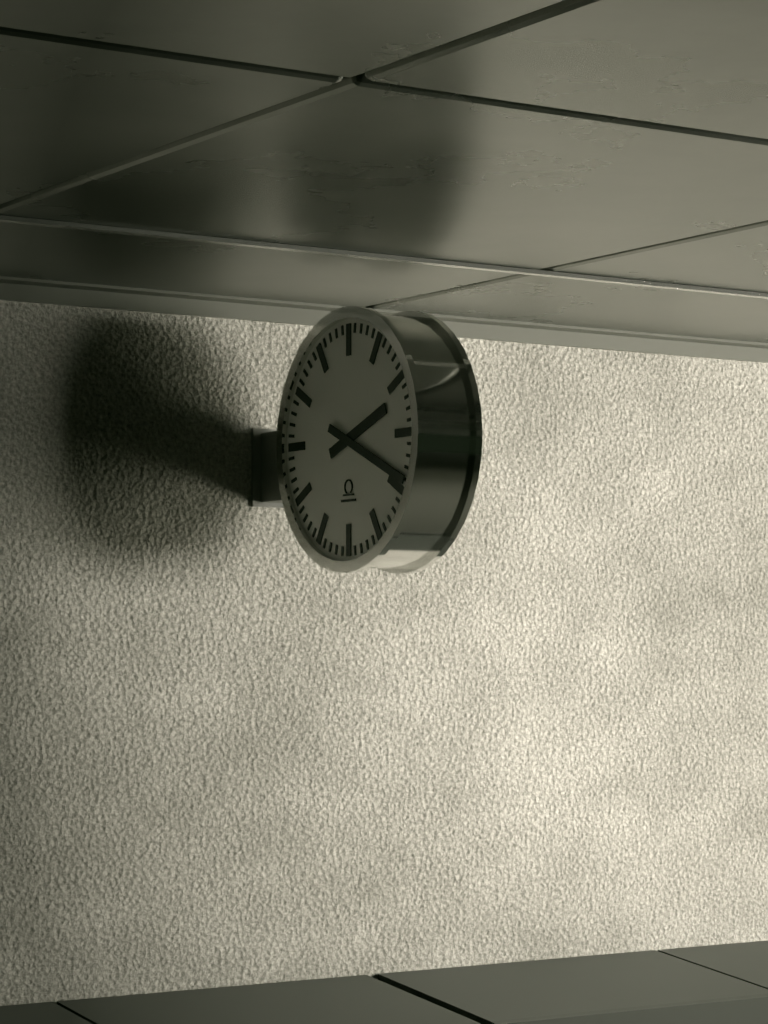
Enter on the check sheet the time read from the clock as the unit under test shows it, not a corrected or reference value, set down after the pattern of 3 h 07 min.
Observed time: 2 h 19 min
